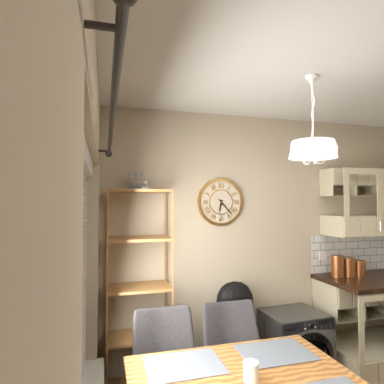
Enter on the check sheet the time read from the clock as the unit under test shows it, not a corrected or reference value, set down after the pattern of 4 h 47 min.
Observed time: 6 h 23 min
